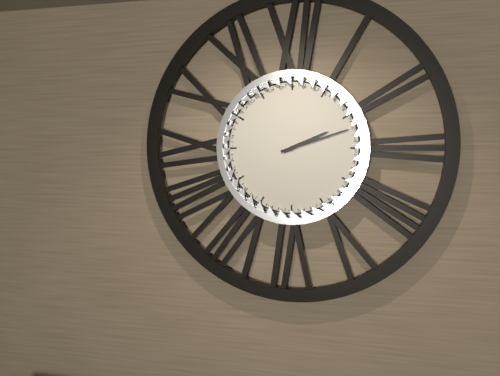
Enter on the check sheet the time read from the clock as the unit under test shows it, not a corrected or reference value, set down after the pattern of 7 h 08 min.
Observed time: 2 h 12 min
